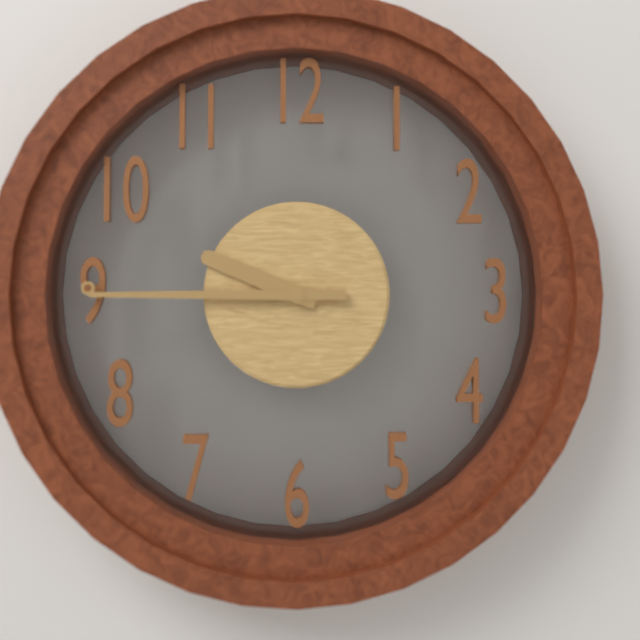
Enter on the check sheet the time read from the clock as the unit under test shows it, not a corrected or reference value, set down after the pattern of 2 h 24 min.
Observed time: 9 h 45 min
